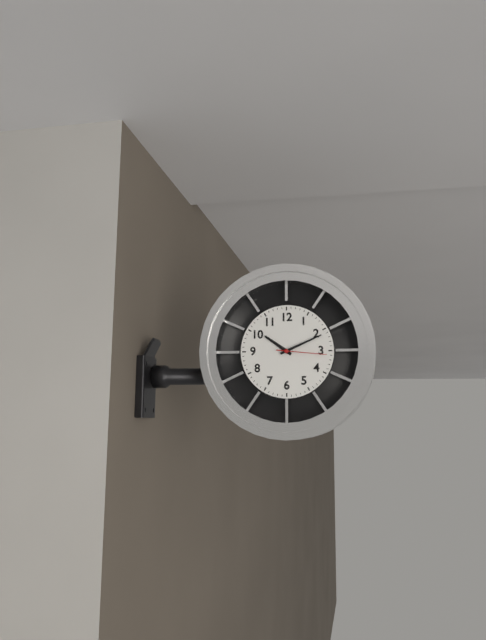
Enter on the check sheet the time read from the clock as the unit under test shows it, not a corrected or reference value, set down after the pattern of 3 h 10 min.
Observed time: 10 h 11 min
